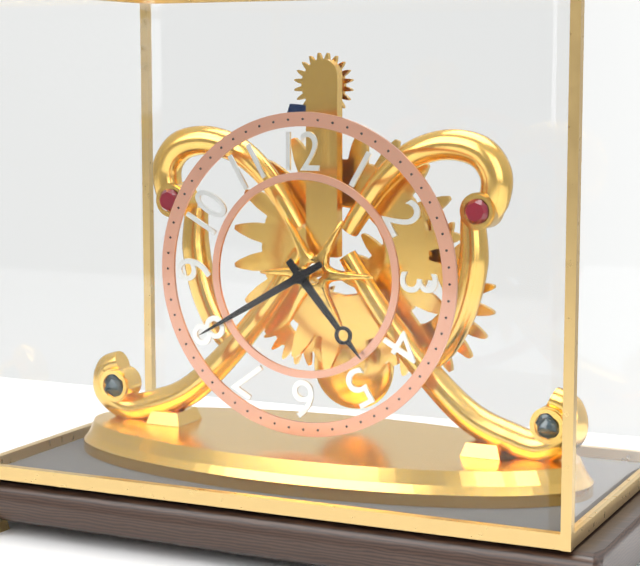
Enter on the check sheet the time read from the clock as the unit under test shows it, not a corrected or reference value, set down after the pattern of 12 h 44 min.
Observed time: 4 h 40 min
